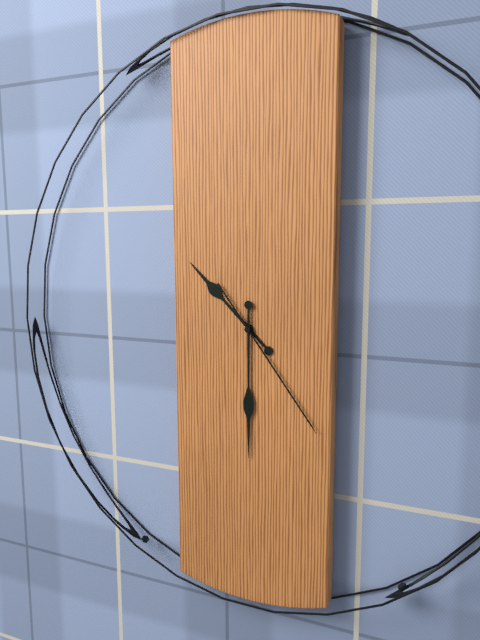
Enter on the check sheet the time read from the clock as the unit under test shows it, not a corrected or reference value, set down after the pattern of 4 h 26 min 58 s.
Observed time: 10 h 30 min 24 s
